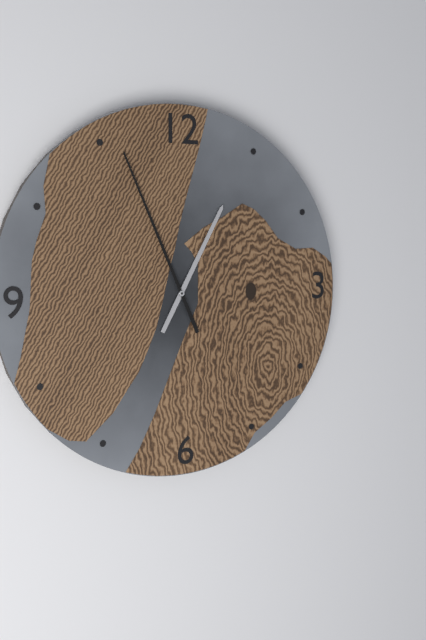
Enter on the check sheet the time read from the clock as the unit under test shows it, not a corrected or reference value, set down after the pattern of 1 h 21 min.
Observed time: 12 h 56 min
